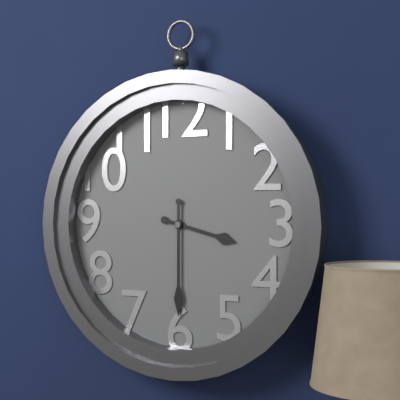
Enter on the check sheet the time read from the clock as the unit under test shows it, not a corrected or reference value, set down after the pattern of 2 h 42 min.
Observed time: 3 h 30 min
